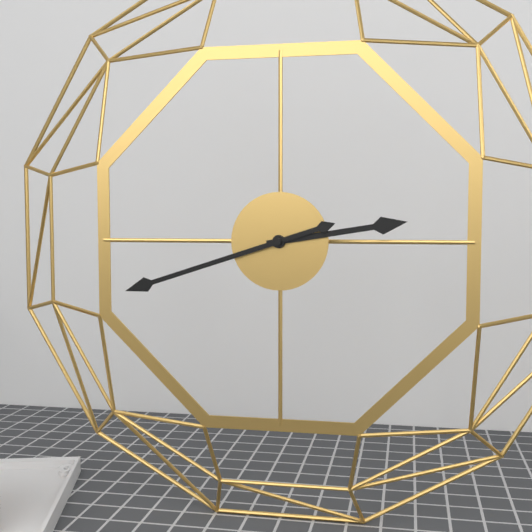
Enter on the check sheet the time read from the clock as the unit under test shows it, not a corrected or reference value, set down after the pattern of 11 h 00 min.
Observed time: 2 h 42 min
